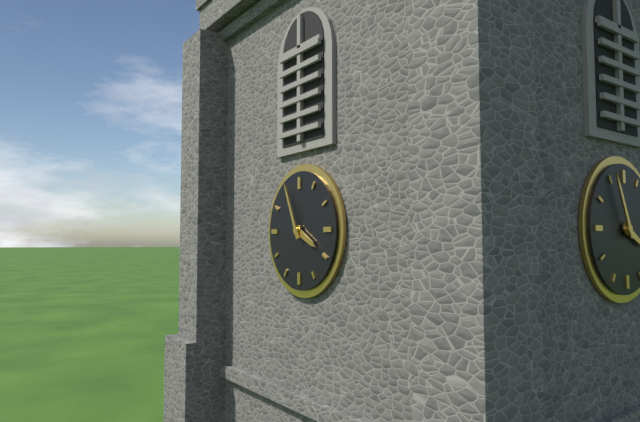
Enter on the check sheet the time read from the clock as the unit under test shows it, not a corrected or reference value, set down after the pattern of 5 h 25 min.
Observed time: 3 h 56 min
